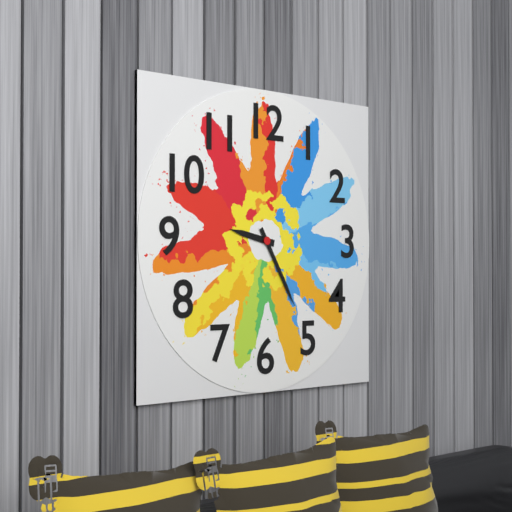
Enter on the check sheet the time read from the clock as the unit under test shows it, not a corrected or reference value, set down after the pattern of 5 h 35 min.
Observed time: 9 h 25 min
